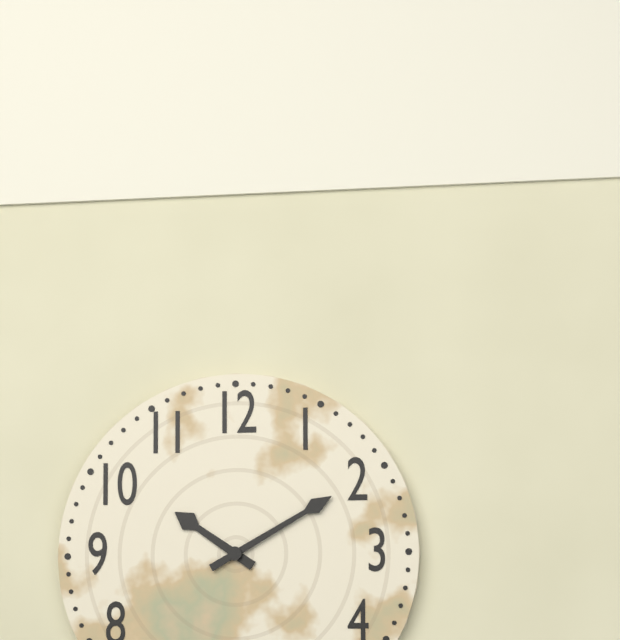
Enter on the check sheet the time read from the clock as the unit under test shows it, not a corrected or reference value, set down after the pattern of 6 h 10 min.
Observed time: 10 h 10 min
